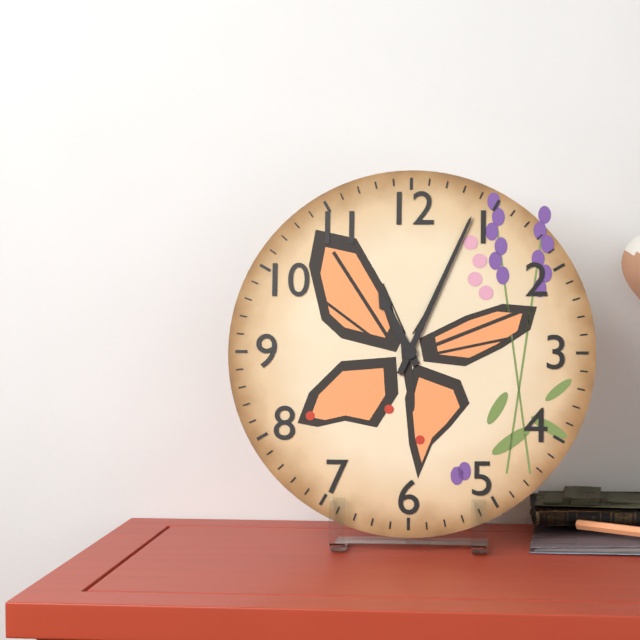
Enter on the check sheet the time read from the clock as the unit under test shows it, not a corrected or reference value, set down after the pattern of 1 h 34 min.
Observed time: 11 h 04 min
